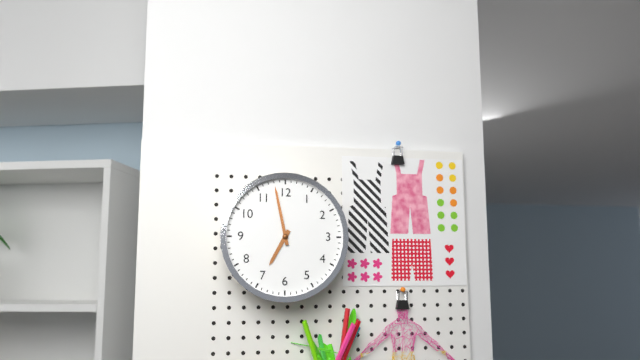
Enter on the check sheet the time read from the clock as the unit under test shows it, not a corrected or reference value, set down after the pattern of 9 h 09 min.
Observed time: 6 h 58 min
